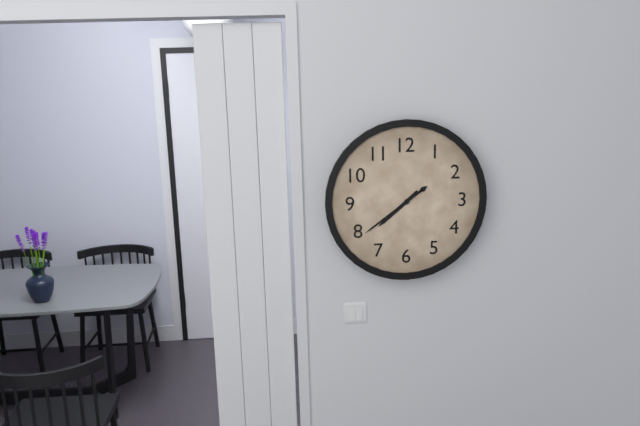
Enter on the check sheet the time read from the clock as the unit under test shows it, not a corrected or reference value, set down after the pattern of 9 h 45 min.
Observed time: 7 h 39 min
